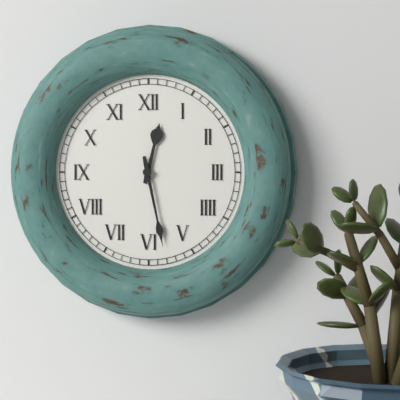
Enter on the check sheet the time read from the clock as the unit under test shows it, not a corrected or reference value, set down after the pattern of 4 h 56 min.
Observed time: 12 h 28 min
